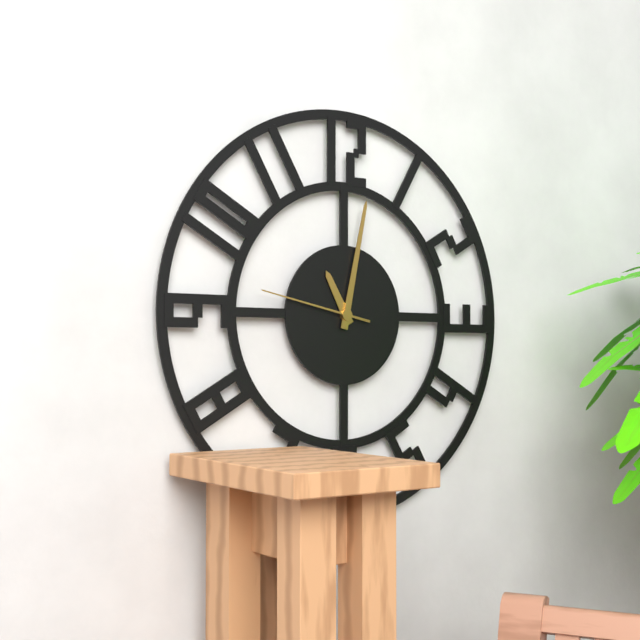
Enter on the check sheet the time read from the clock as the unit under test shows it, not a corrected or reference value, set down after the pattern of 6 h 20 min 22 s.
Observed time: 11 h 02 min 47 s
